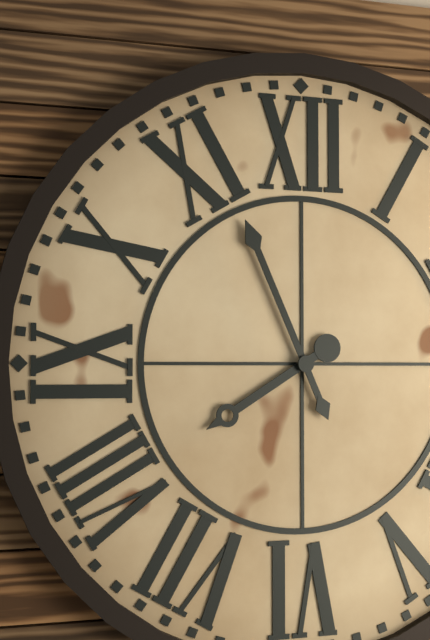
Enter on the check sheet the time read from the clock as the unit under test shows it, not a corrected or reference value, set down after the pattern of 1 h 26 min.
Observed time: 7 h 56 min
